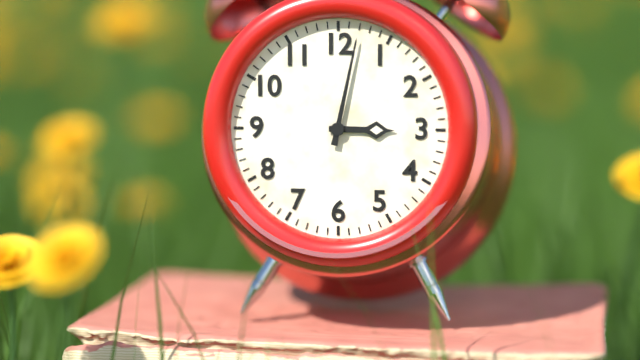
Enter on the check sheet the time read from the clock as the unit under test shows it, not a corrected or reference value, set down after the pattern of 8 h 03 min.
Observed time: 3 h 02 min
